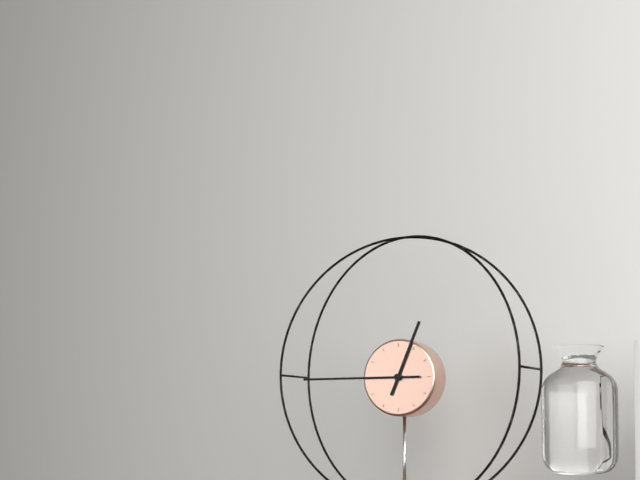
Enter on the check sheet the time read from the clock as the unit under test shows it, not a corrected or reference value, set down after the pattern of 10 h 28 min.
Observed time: 12 h 45 min
